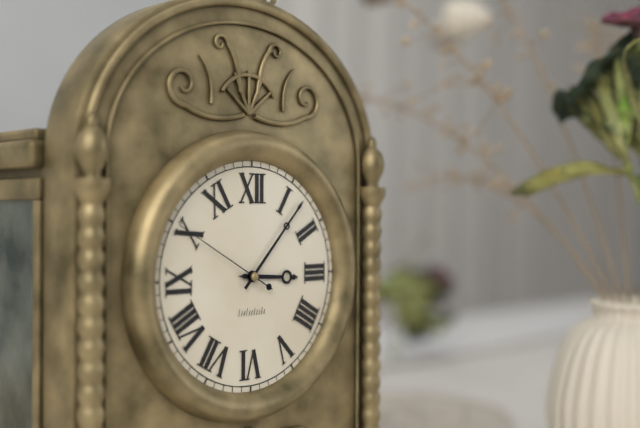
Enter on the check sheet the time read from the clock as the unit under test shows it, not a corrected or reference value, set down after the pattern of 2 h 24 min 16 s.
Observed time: 3 h 07 min 50 s
